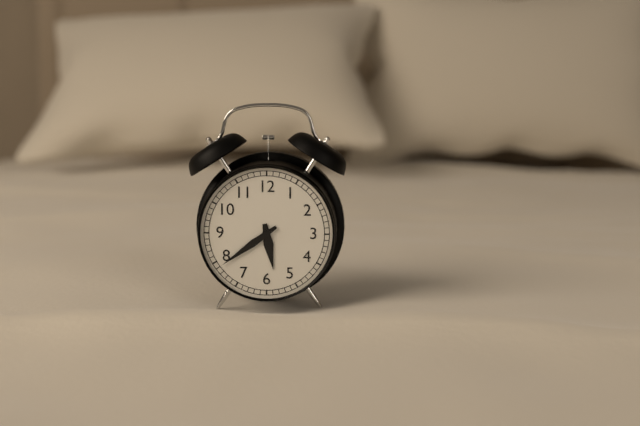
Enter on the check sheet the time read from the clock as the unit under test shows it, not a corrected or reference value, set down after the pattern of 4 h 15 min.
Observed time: 5 h 39 min
